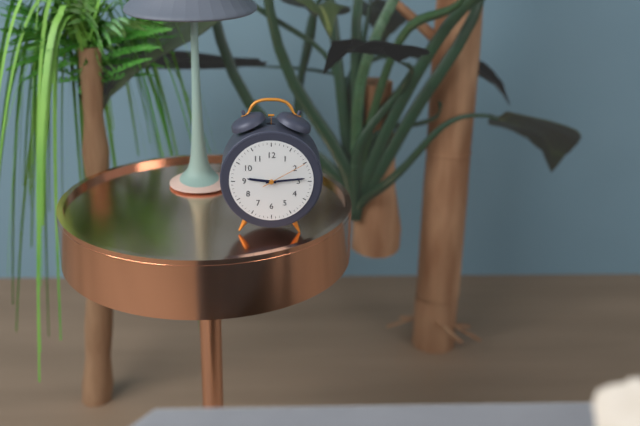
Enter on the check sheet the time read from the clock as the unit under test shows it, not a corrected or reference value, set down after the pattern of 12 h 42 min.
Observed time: 9 h 14 min
